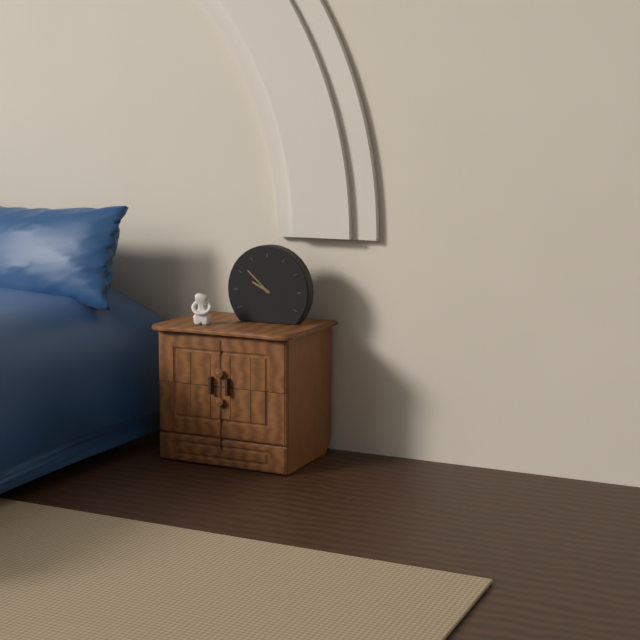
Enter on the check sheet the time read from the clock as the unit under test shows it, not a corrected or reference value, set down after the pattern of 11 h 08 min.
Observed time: 9 h 52 min
